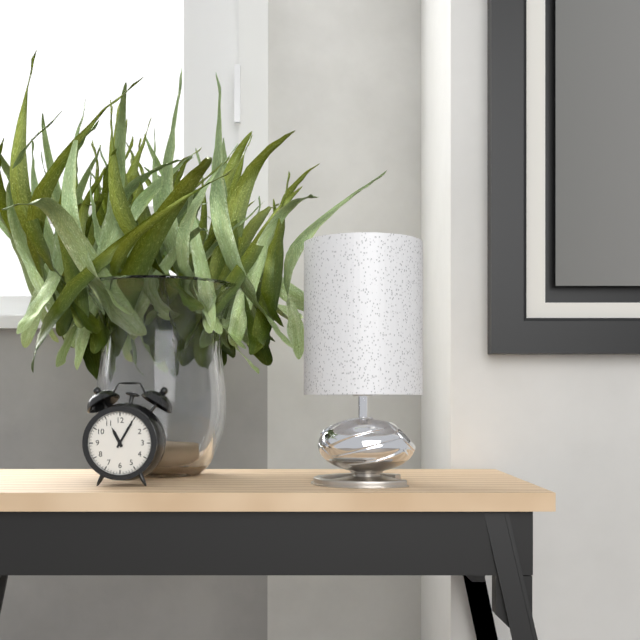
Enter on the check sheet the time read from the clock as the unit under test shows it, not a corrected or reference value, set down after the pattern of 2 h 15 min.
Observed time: 11 h 05 min
